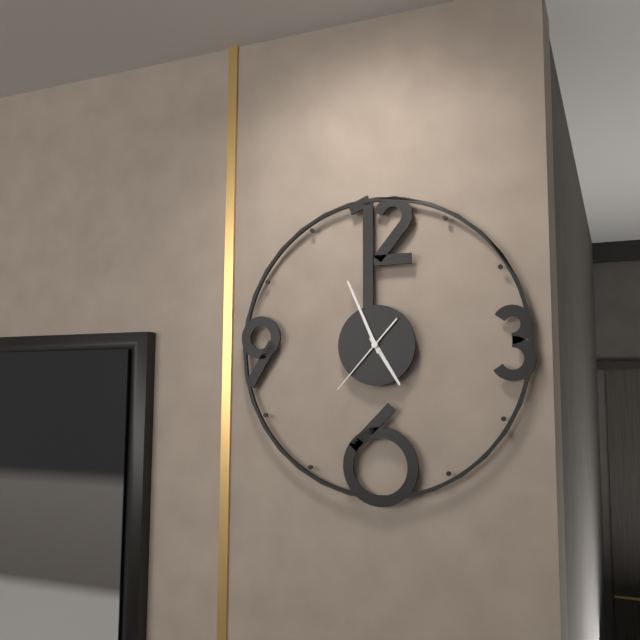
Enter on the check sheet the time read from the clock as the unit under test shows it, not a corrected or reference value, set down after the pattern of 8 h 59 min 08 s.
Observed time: 4 h 56 min 37 s
